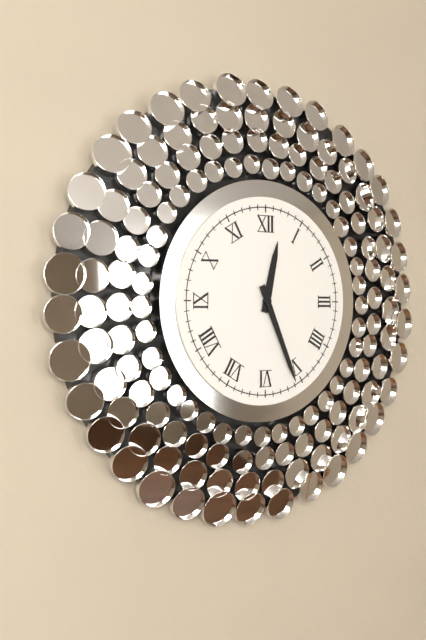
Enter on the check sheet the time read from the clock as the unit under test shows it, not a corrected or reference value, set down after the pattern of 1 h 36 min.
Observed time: 12 h 26 min
